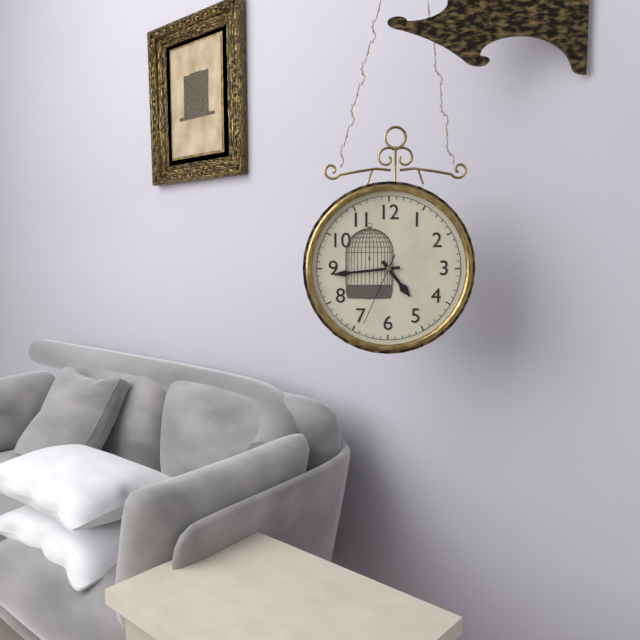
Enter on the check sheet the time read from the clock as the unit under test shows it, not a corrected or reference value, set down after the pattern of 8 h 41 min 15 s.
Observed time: 4 h 44 min 34 s
